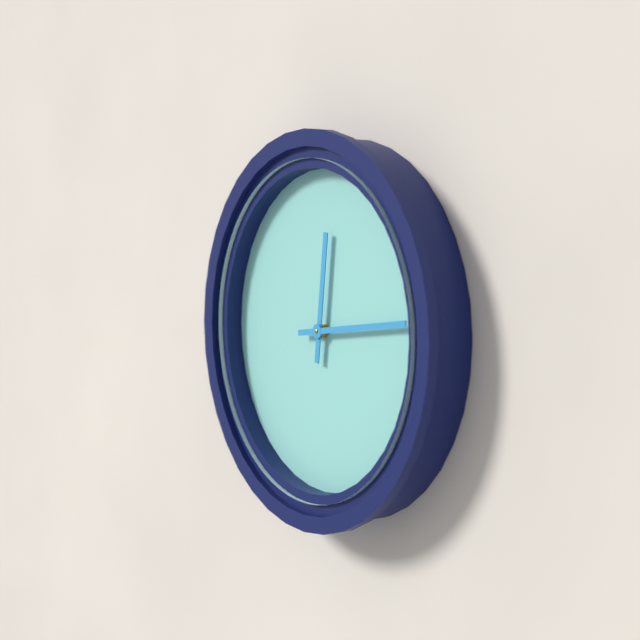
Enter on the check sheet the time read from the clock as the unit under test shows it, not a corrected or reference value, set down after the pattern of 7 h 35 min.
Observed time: 12 h 14 min
